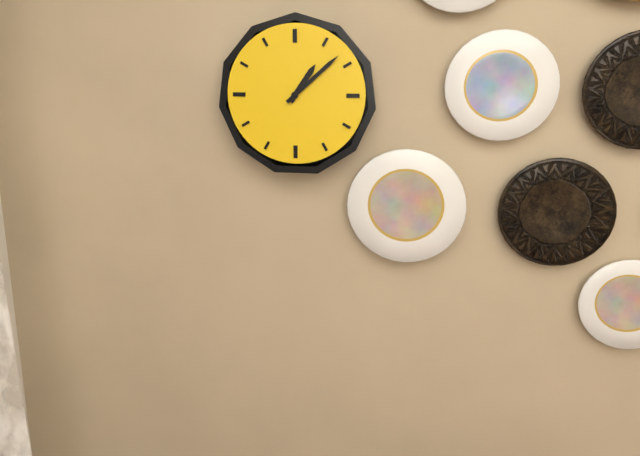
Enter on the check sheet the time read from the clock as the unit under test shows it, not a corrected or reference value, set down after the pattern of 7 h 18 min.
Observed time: 1 h 08 min
